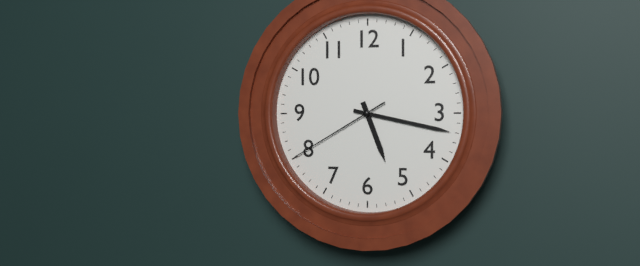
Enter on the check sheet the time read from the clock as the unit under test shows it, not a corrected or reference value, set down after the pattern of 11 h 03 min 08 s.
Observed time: 5 h 17 min 40 s
